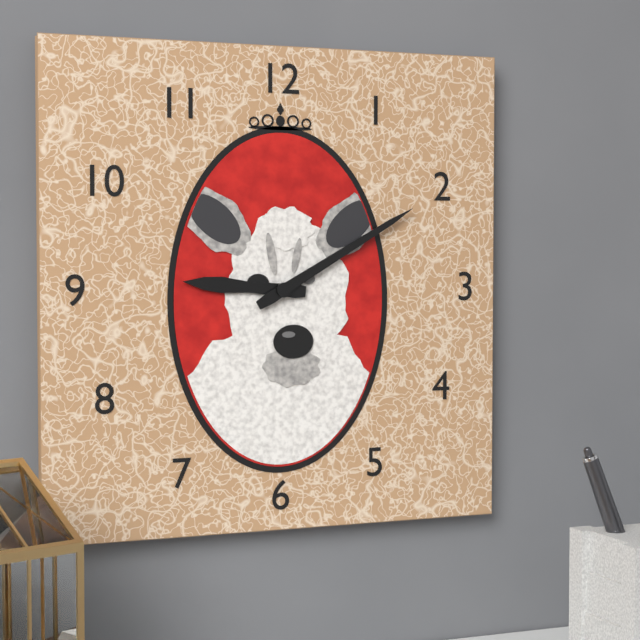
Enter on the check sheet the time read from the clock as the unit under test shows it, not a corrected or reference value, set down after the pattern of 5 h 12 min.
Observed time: 9 h 10 min
